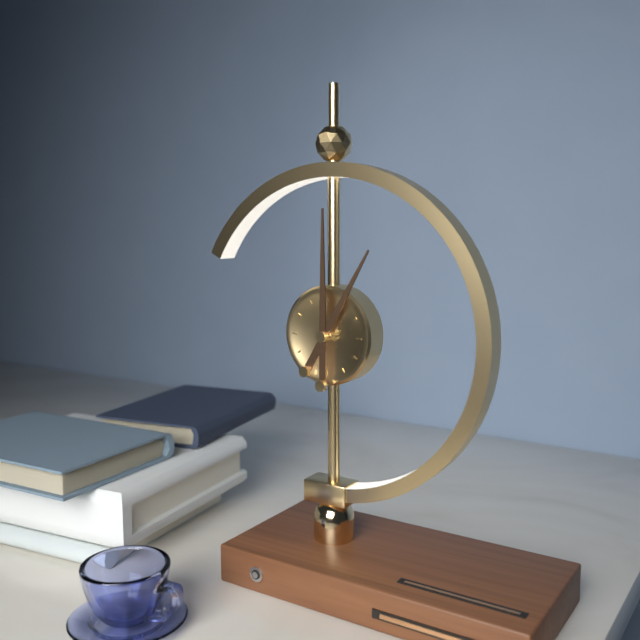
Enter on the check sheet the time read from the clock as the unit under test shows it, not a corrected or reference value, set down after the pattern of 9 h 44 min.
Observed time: 1 h 00 min
